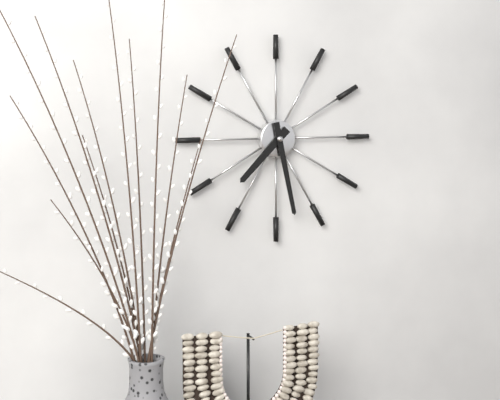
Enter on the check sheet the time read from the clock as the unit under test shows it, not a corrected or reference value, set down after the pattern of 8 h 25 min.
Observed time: 7 h 28 min
